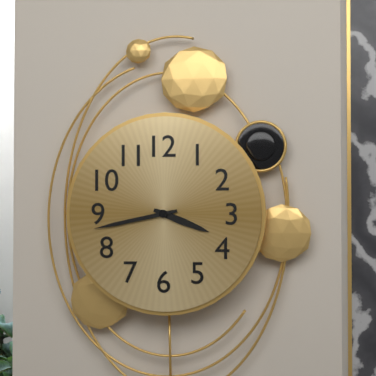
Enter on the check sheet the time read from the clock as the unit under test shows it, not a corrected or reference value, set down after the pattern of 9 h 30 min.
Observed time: 3 h 43 min
